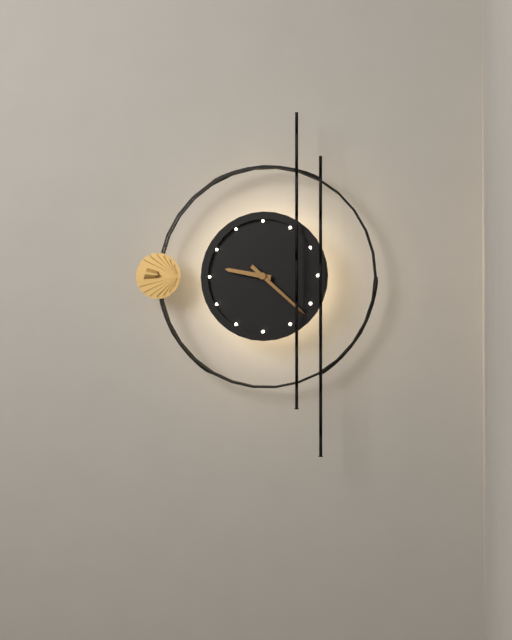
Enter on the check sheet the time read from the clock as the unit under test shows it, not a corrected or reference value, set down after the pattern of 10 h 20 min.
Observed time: 9 h 22 min
